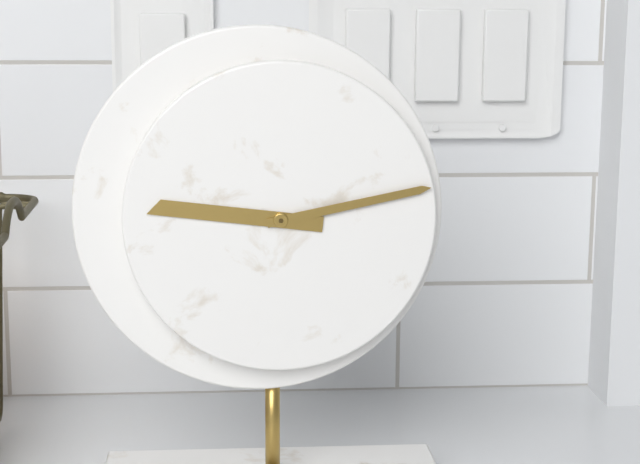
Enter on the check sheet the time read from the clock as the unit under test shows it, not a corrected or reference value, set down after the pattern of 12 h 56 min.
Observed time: 9 h 13 min
